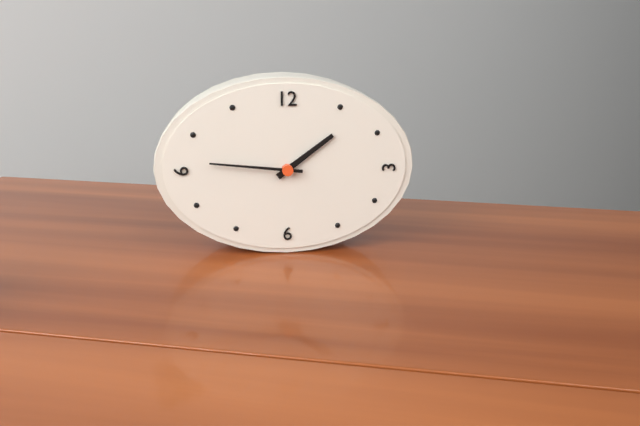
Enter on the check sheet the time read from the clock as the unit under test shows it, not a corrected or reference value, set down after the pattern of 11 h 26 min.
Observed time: 1 h 46 min
